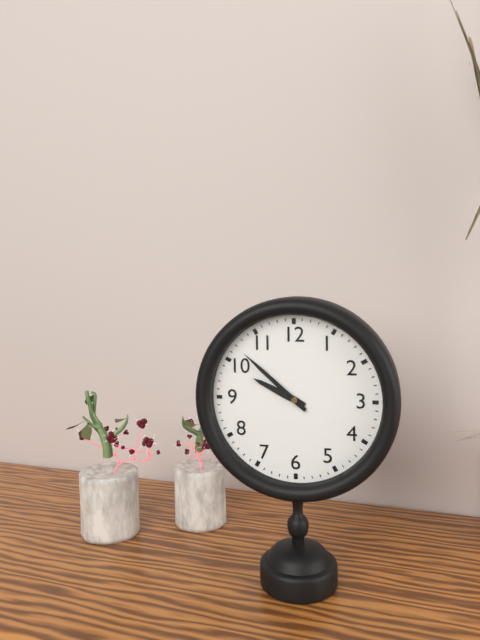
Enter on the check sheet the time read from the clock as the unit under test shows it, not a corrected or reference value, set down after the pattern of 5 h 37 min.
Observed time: 9 h 52 min
